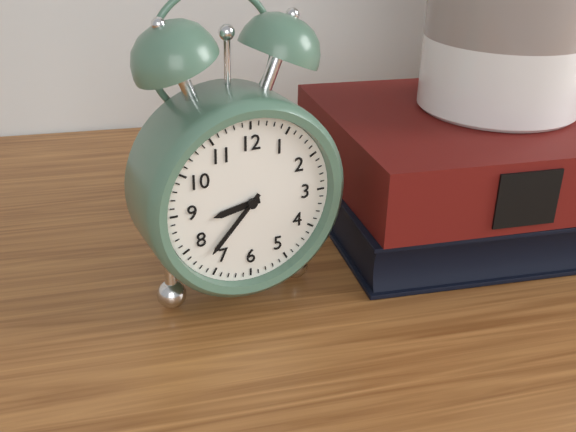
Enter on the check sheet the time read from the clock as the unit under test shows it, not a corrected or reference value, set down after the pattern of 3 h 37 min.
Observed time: 8 h 37 min
